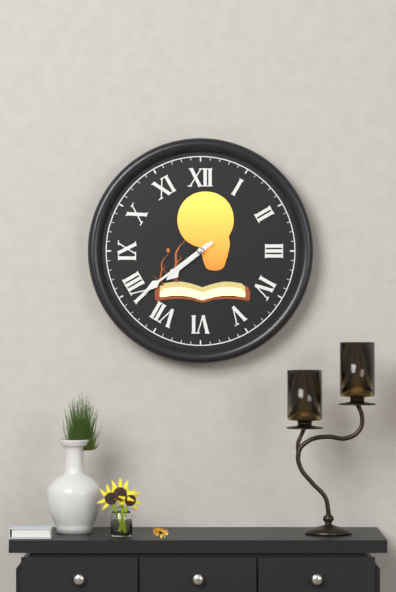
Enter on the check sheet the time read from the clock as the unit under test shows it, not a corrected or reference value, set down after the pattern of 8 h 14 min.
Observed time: 7 h 39 min
